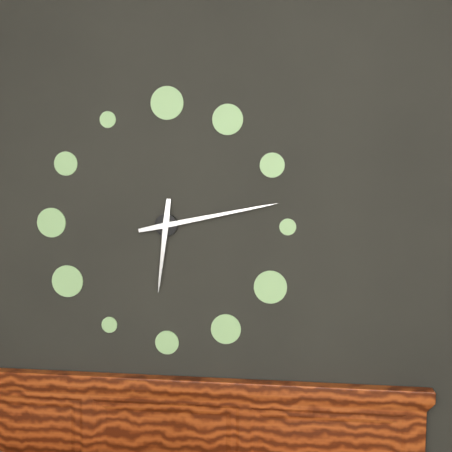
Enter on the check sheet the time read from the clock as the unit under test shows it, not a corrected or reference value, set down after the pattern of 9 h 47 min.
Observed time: 6 h 13 min
